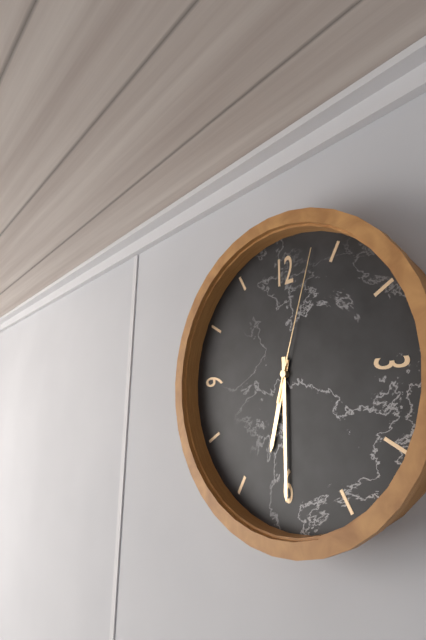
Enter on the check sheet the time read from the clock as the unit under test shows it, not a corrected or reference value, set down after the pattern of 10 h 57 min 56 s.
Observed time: 6 h 30 min 03 s
